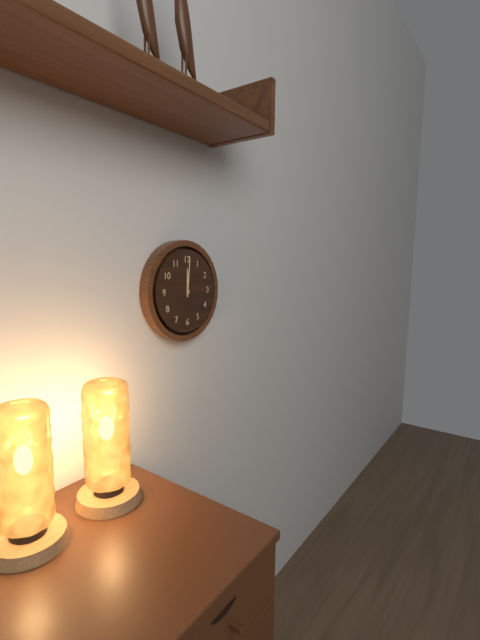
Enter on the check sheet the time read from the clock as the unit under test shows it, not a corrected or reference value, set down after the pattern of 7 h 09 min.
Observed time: 12 h 01 min
